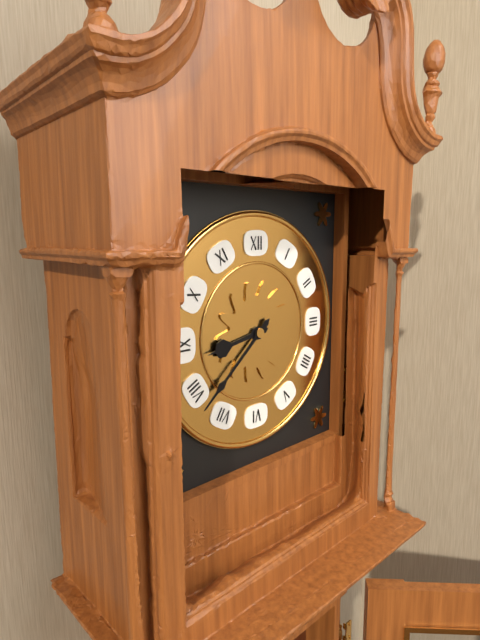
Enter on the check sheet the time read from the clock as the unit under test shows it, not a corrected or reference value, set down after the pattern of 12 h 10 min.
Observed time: 8 h 38 min
